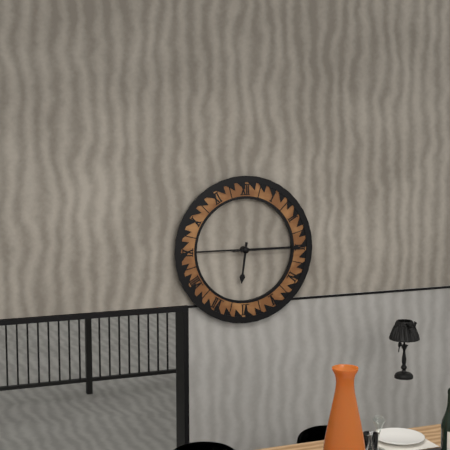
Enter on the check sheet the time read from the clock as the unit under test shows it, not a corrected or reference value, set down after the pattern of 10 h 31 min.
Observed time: 6 h 15 min
